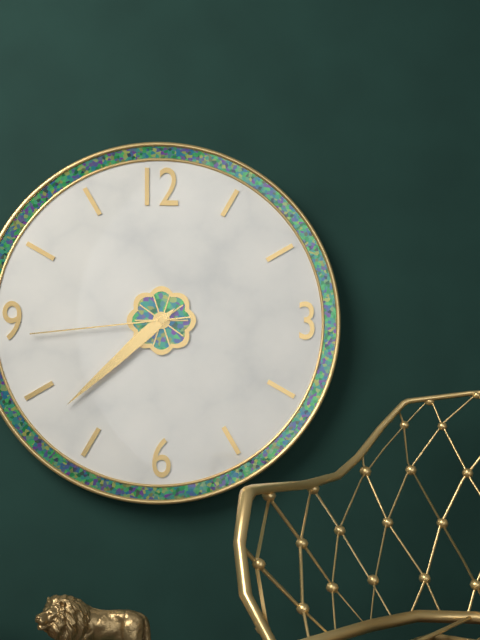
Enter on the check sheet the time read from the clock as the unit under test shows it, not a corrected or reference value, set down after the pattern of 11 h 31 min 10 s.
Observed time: 7 h 38 min 44 s
